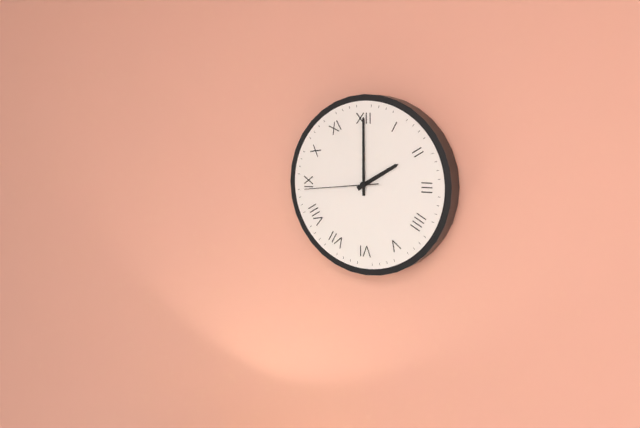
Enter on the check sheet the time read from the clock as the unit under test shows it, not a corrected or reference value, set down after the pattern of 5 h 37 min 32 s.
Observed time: 2 h 00 min 44 s
